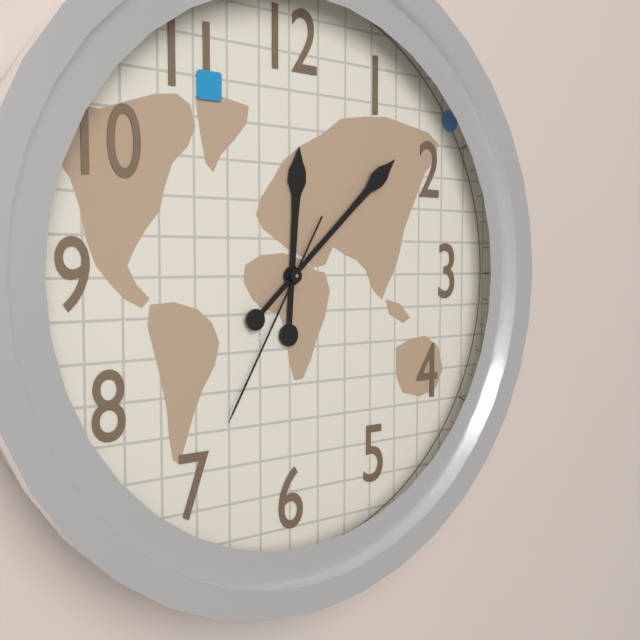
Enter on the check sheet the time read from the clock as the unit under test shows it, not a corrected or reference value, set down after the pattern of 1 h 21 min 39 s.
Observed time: 12 h 08 min 35 s
